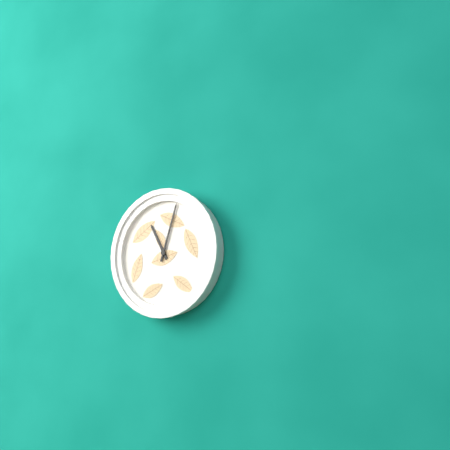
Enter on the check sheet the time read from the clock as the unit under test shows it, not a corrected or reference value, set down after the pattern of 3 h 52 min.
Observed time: 11 h 03 min
